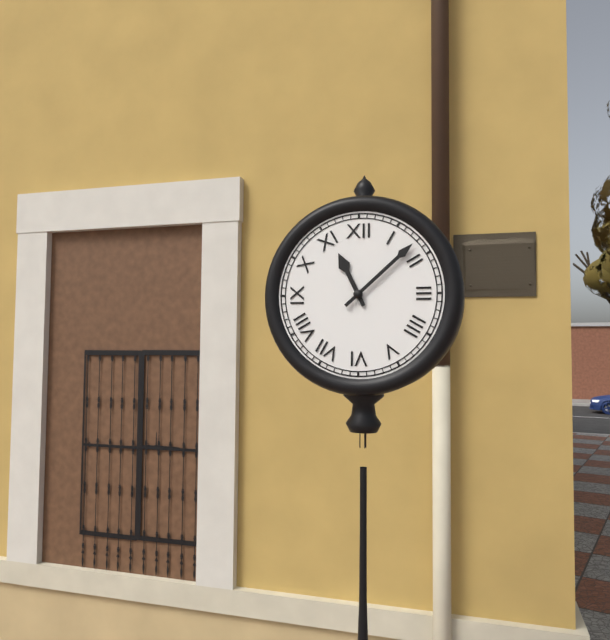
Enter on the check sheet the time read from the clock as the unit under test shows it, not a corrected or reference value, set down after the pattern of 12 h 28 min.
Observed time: 11 h 08 min
